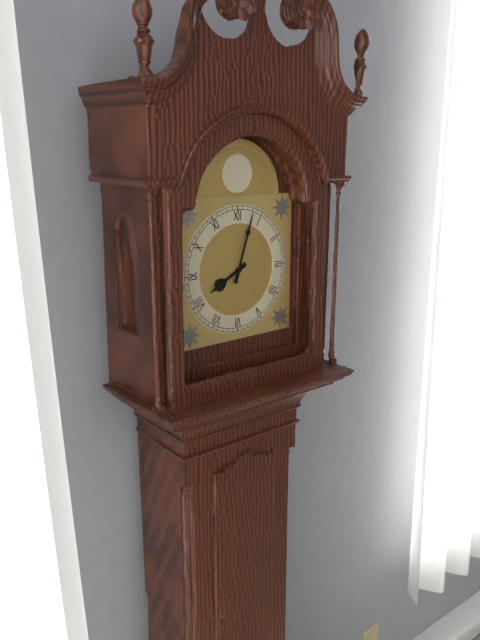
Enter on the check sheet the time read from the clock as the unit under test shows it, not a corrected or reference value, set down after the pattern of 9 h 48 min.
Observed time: 8 h 03 min
